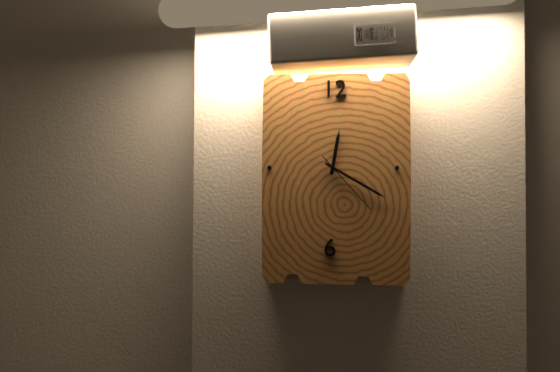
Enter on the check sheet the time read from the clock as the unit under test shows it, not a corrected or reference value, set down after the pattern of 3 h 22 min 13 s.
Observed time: 12 h 20 min 23 s
